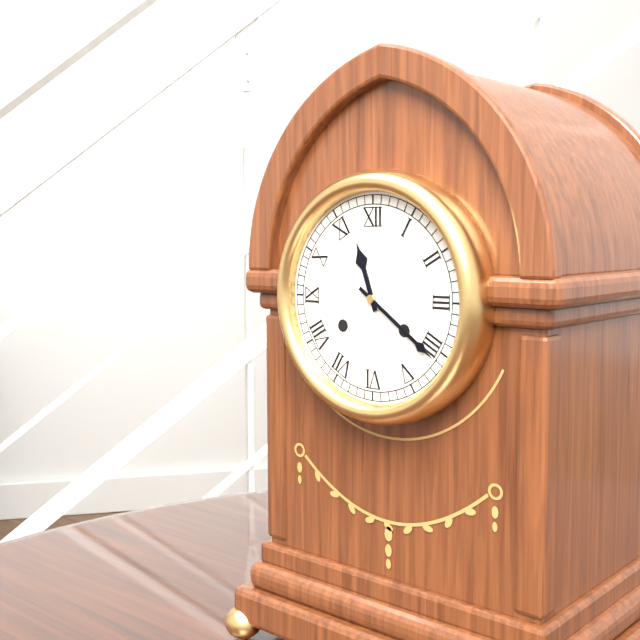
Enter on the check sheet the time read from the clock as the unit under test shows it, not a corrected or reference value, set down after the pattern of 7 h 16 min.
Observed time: 11 h 21 min
